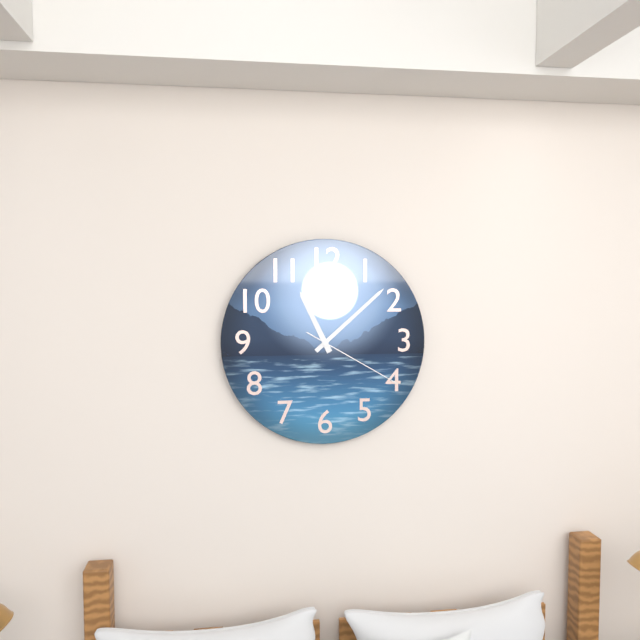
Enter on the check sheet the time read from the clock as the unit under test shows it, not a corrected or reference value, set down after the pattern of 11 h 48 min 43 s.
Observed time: 11 h 08 min 20 s
